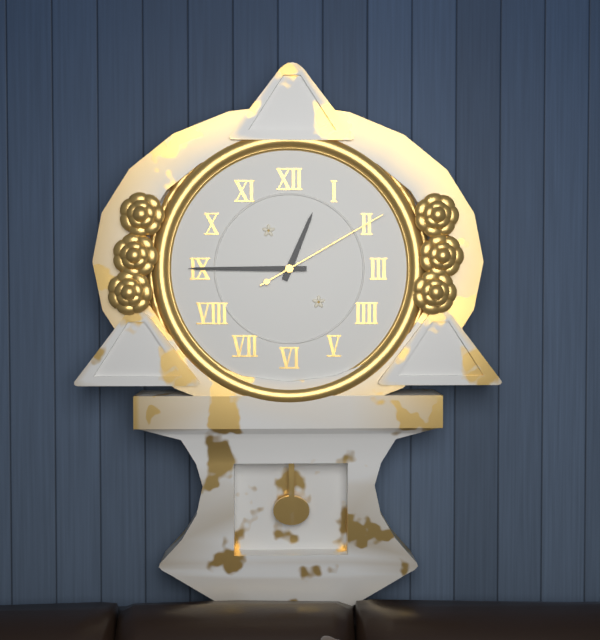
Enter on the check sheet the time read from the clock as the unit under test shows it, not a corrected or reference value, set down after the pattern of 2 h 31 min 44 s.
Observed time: 12 h 45 min 10 s
